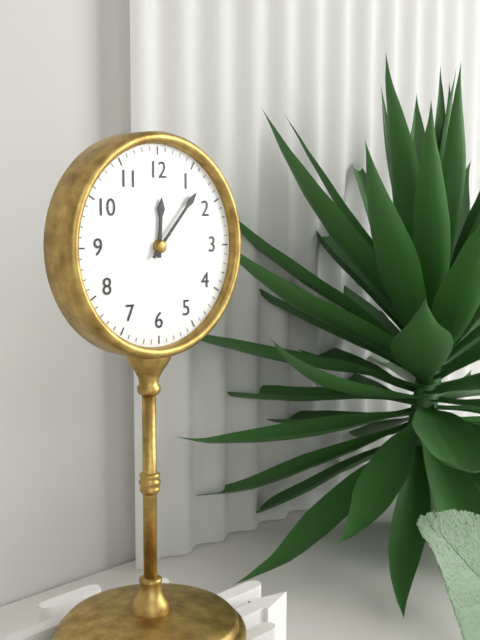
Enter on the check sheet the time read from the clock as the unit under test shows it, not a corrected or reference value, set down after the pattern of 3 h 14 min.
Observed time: 12 h 07 min
